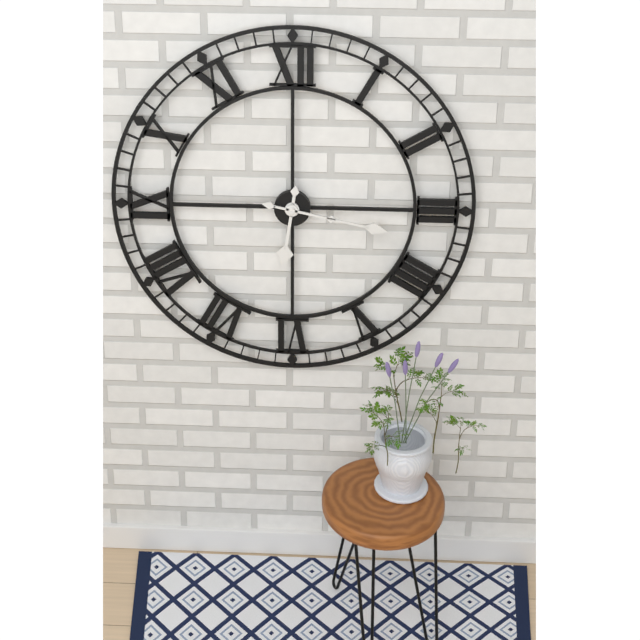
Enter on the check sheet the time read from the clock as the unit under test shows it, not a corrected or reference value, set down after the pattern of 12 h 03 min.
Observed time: 6 h 17 min
